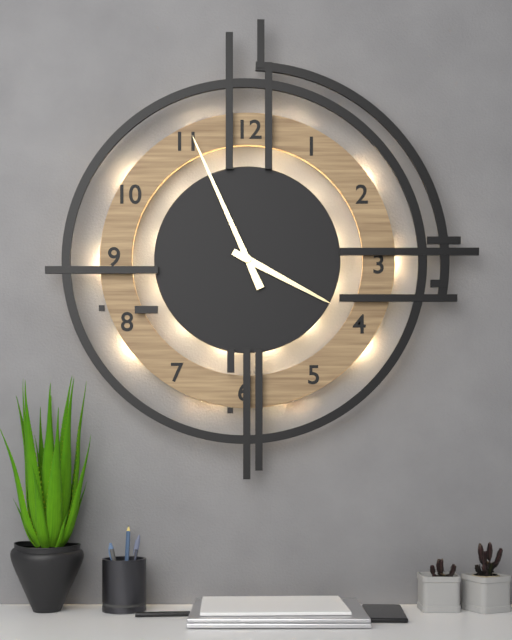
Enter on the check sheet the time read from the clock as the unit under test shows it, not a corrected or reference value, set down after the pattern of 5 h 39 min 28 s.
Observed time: 3 h 56 min 56 s
